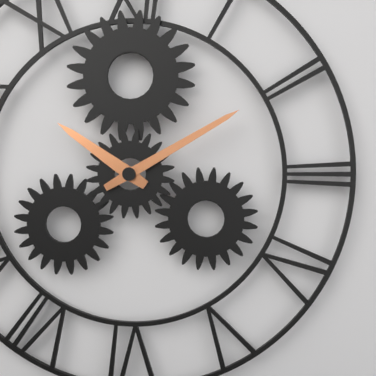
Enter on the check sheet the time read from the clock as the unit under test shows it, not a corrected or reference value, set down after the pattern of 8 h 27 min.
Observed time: 10 h 10 min
